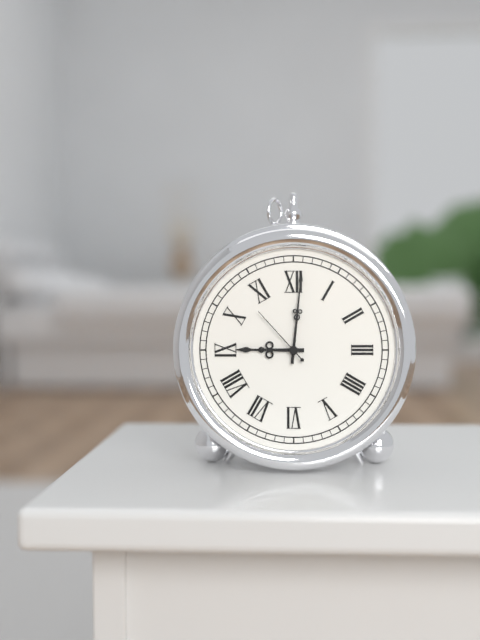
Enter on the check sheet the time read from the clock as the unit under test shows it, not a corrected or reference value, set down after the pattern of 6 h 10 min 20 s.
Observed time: 9 h 01 min 53 s
